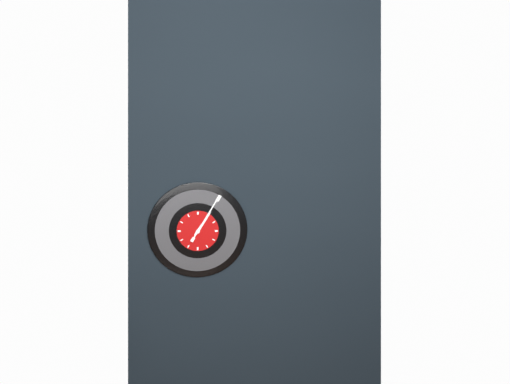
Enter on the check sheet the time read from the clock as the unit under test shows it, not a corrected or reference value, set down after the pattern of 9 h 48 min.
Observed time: 1 h 05 min
